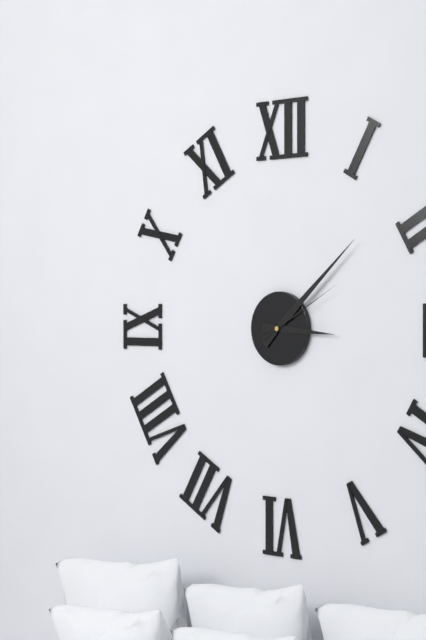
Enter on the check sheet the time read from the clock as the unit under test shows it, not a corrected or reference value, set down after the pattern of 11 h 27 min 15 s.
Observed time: 3 h 08 min 10 s
